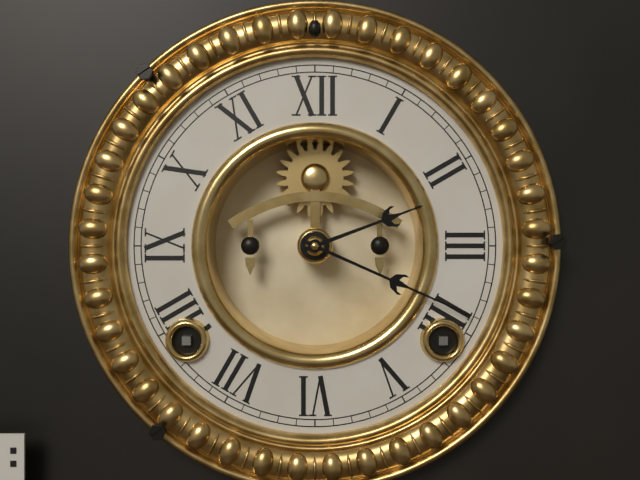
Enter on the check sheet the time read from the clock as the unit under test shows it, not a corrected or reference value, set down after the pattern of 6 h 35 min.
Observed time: 2 h 19 min
